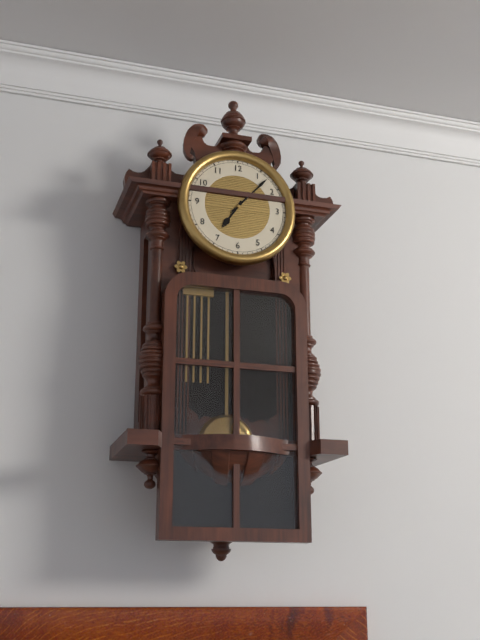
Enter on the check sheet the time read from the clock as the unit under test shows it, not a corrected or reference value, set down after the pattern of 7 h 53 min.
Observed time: 7 h 07 min
